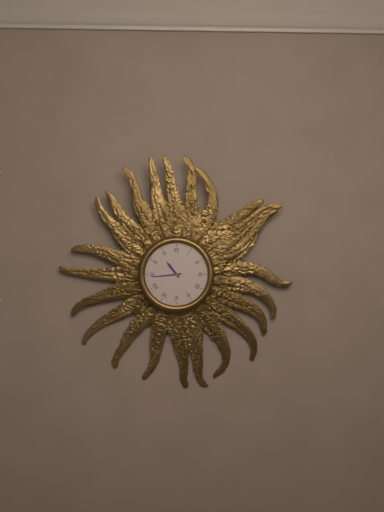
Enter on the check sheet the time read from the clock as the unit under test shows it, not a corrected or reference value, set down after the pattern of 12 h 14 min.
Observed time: 10 h 44 min
